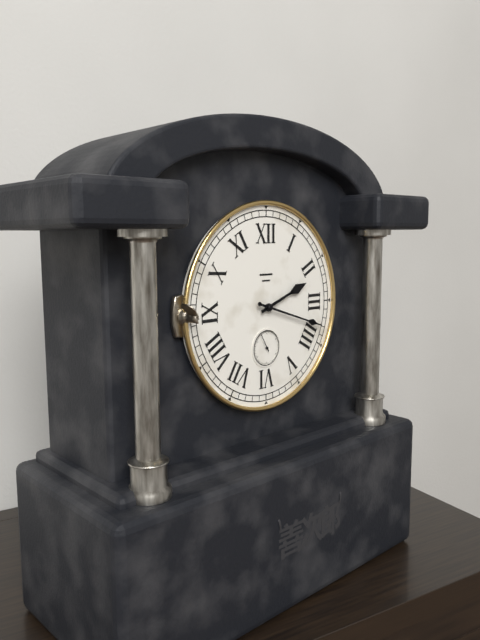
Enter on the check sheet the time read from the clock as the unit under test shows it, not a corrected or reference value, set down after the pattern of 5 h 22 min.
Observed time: 2 h 18 min
